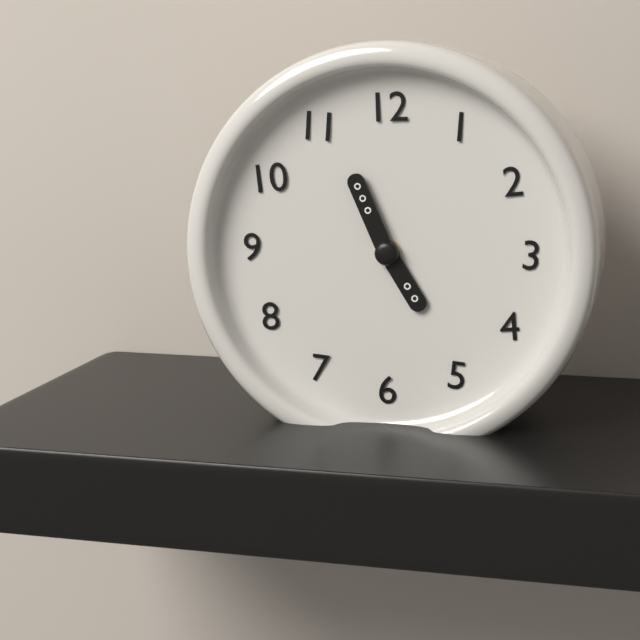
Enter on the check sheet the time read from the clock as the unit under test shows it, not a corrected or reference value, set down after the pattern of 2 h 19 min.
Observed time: 4 h 56 min
